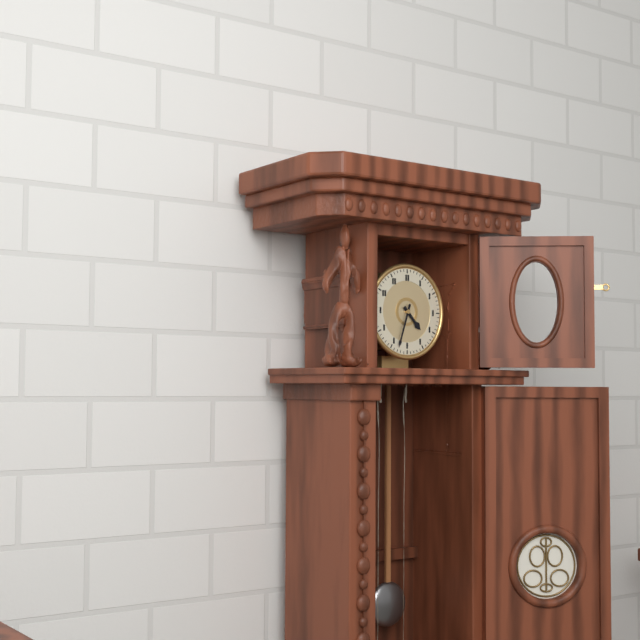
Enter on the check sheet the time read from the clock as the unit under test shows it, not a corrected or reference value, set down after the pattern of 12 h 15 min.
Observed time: 4 h 33 min
